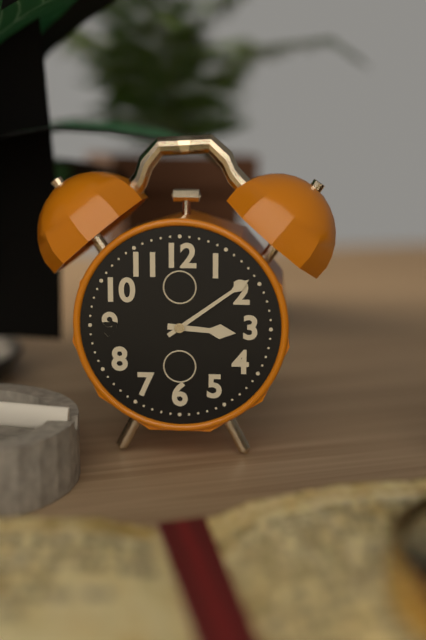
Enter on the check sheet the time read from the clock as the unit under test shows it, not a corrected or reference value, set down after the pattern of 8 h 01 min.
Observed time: 3 h 09 min
